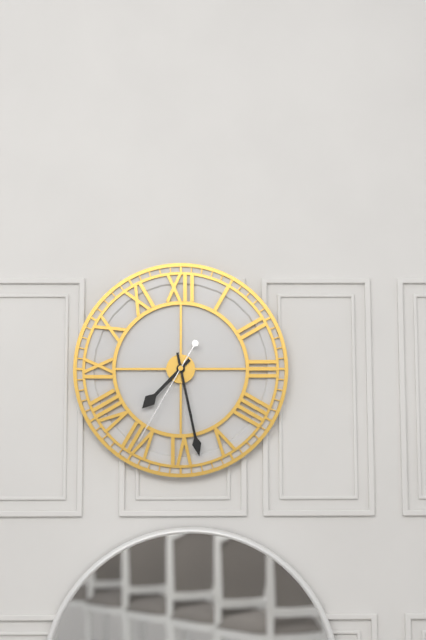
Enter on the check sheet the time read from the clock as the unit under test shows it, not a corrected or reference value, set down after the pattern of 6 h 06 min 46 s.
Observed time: 7 h 28 min 35 s
